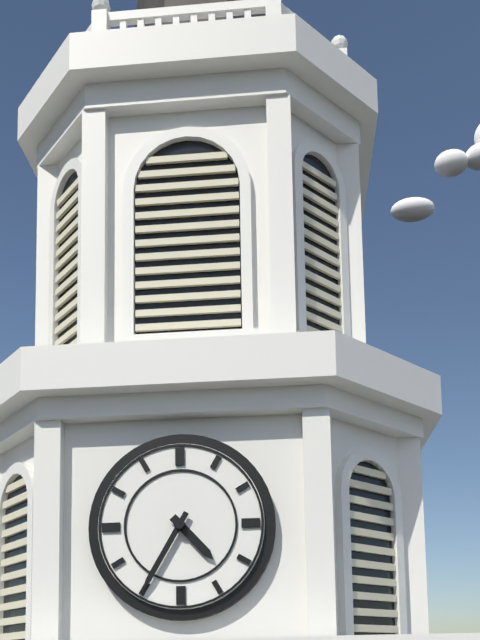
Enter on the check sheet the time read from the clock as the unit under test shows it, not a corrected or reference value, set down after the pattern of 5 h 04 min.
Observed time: 4 h 35 min
